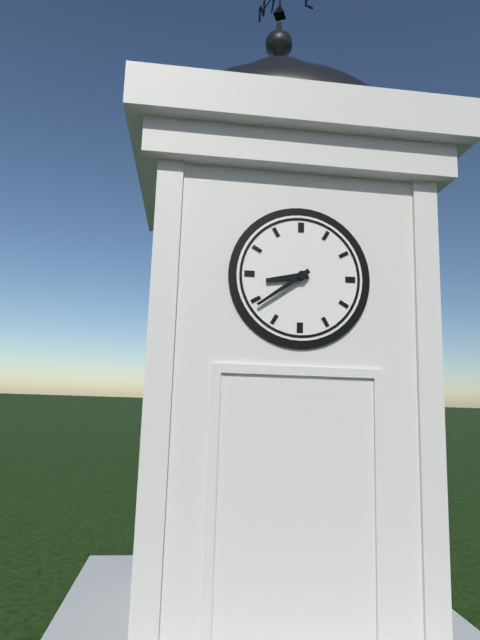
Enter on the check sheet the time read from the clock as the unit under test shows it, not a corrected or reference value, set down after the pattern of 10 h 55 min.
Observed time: 8 h 39 min
